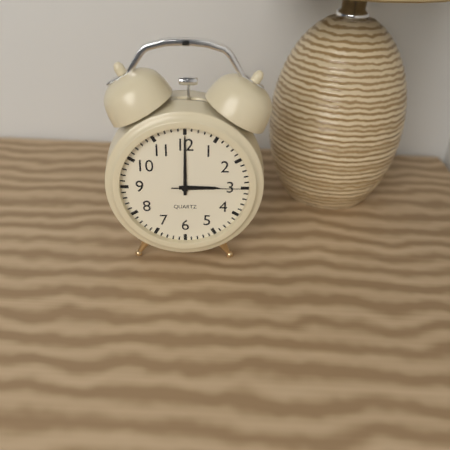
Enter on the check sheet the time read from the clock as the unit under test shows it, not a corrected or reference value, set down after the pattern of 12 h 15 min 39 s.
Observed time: 3 h 00 min 15 s
